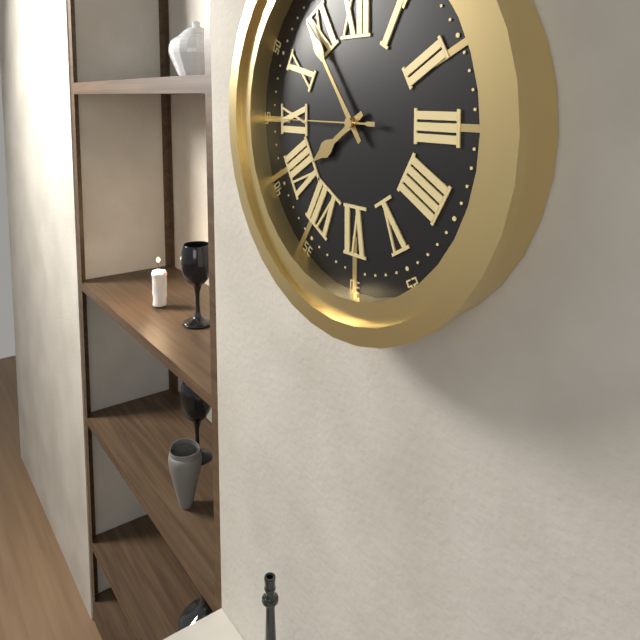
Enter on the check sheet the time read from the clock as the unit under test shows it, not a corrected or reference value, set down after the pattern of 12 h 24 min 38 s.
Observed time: 7 h 54 min 45 s
